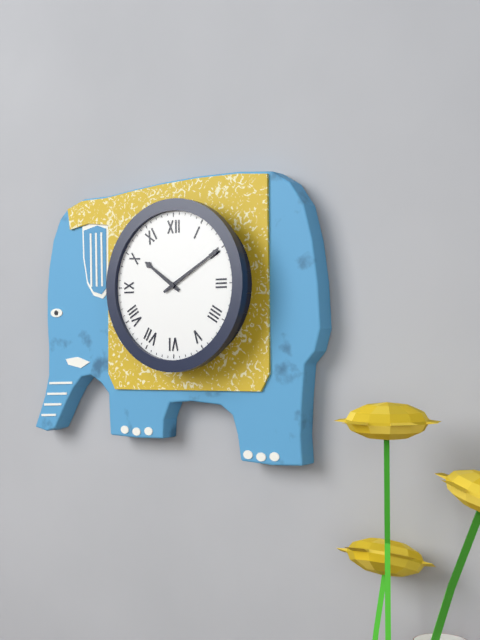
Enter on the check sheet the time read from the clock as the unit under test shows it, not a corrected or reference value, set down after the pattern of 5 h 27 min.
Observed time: 10 h 10 min
